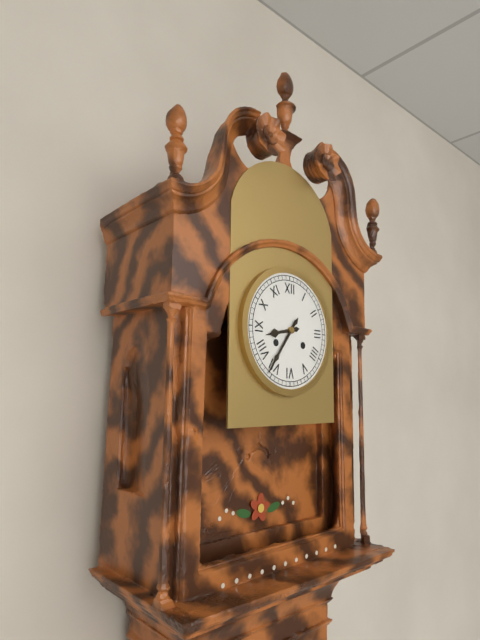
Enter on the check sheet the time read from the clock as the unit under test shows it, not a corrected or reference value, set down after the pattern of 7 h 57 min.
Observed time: 8 h 36 min
